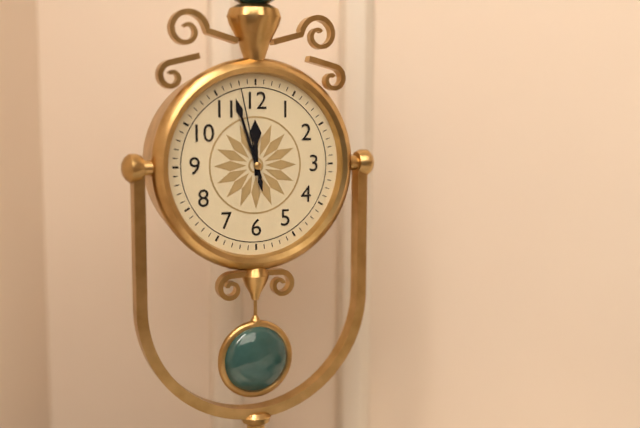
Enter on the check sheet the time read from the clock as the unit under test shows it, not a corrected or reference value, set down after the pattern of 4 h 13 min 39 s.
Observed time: 11 h 57 min 58 s
